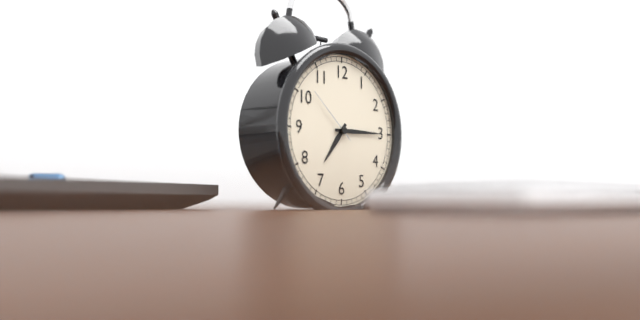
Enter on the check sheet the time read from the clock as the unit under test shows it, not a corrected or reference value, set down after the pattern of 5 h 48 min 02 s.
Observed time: 7 h 15 min 52 s
